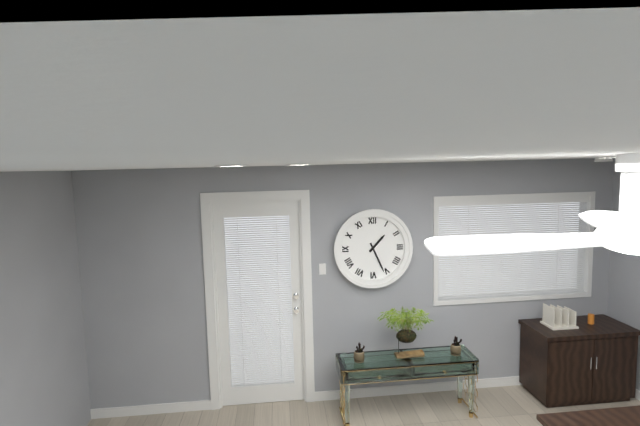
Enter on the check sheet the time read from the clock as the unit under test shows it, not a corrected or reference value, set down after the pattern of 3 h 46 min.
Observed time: 1 h 26 min
